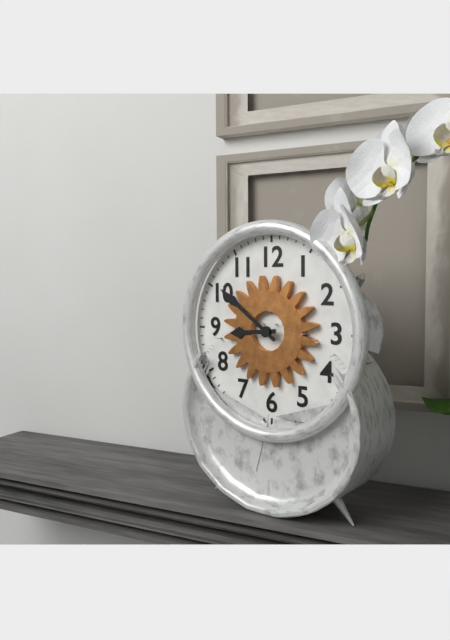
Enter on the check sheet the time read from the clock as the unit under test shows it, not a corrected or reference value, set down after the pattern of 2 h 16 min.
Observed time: 8 h 51 min
